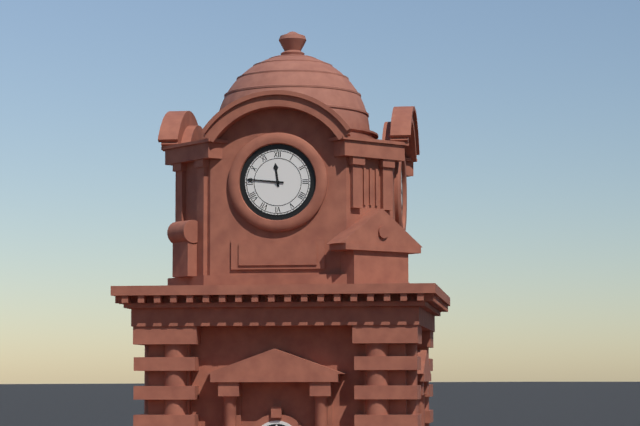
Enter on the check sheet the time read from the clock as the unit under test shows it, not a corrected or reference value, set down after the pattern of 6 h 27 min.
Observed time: 11 h 46 min
